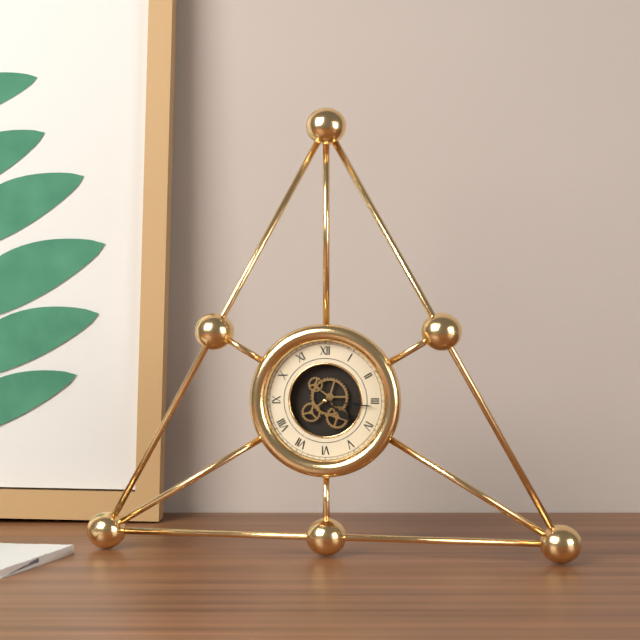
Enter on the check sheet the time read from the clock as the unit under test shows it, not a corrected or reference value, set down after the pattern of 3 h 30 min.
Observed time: 4 h 16 min
